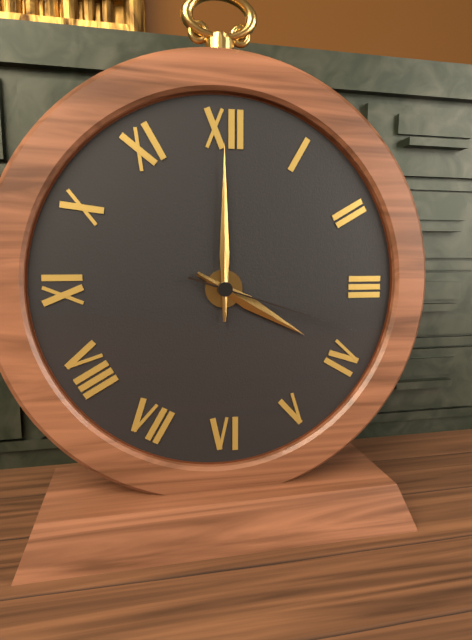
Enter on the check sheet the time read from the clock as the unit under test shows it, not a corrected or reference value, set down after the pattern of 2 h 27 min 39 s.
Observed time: 4 h 00 min 18 s
